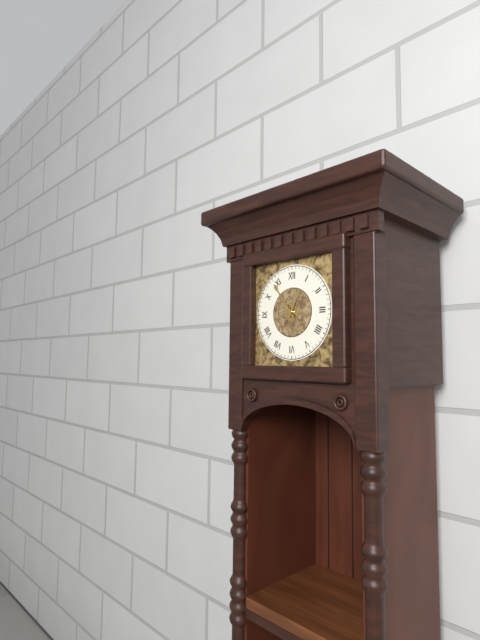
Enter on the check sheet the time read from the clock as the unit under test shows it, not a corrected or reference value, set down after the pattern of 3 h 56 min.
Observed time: 12 h 54 min
